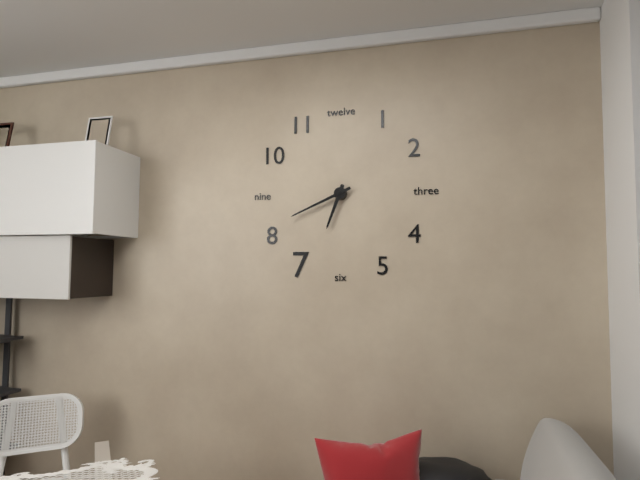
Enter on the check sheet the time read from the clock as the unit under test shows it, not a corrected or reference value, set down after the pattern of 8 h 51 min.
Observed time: 6 h 41 min
